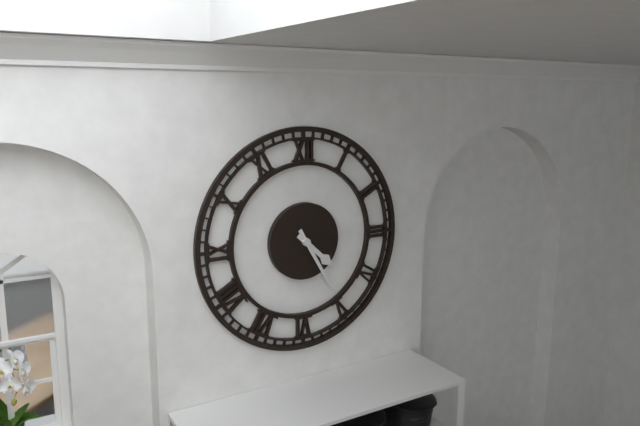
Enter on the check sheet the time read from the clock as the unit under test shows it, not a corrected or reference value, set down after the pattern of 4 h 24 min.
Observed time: 4 h 25 min
